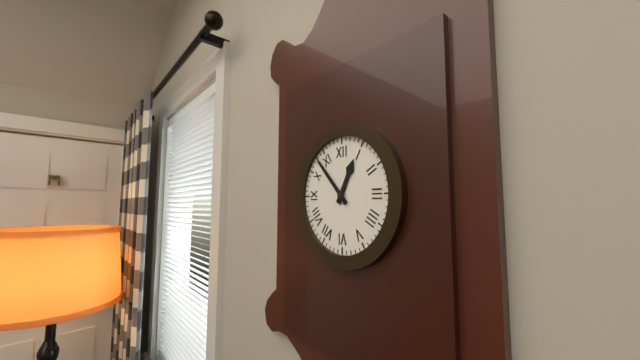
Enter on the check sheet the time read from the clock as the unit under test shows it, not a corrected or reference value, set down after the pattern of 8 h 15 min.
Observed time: 12 h 53 min
